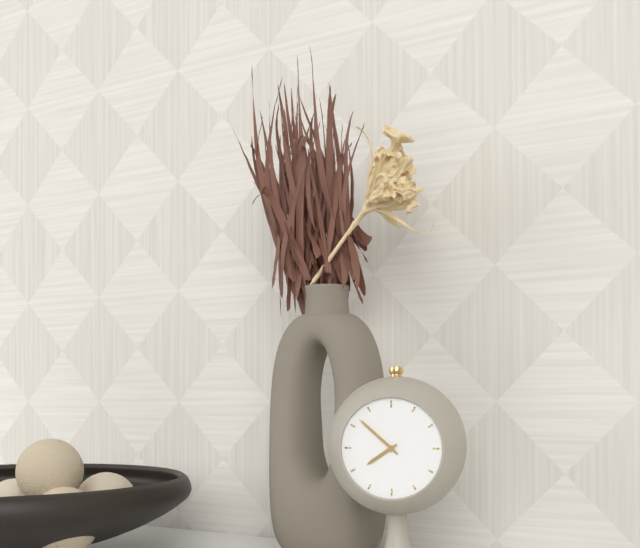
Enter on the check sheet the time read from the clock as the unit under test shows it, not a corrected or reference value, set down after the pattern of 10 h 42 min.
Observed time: 7 h 52 min
